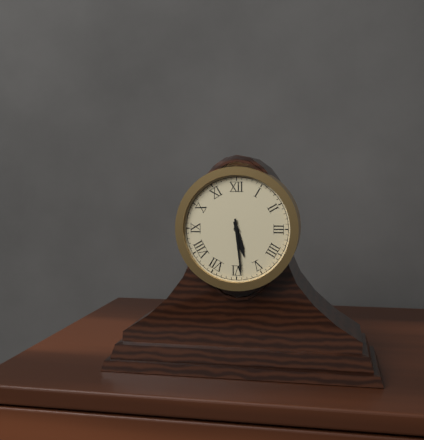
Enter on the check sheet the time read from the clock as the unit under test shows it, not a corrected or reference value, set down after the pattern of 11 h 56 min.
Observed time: 5 h 29 min
